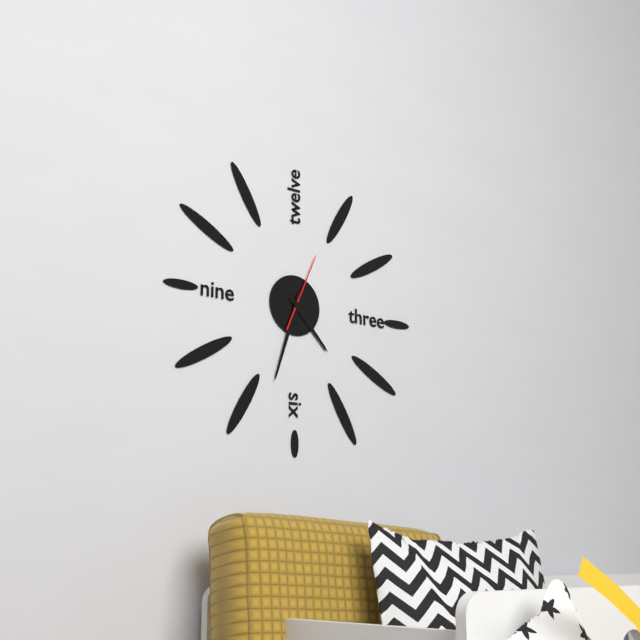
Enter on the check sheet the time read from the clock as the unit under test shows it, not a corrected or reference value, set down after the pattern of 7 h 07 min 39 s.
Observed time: 4 h 33 min 04 s
